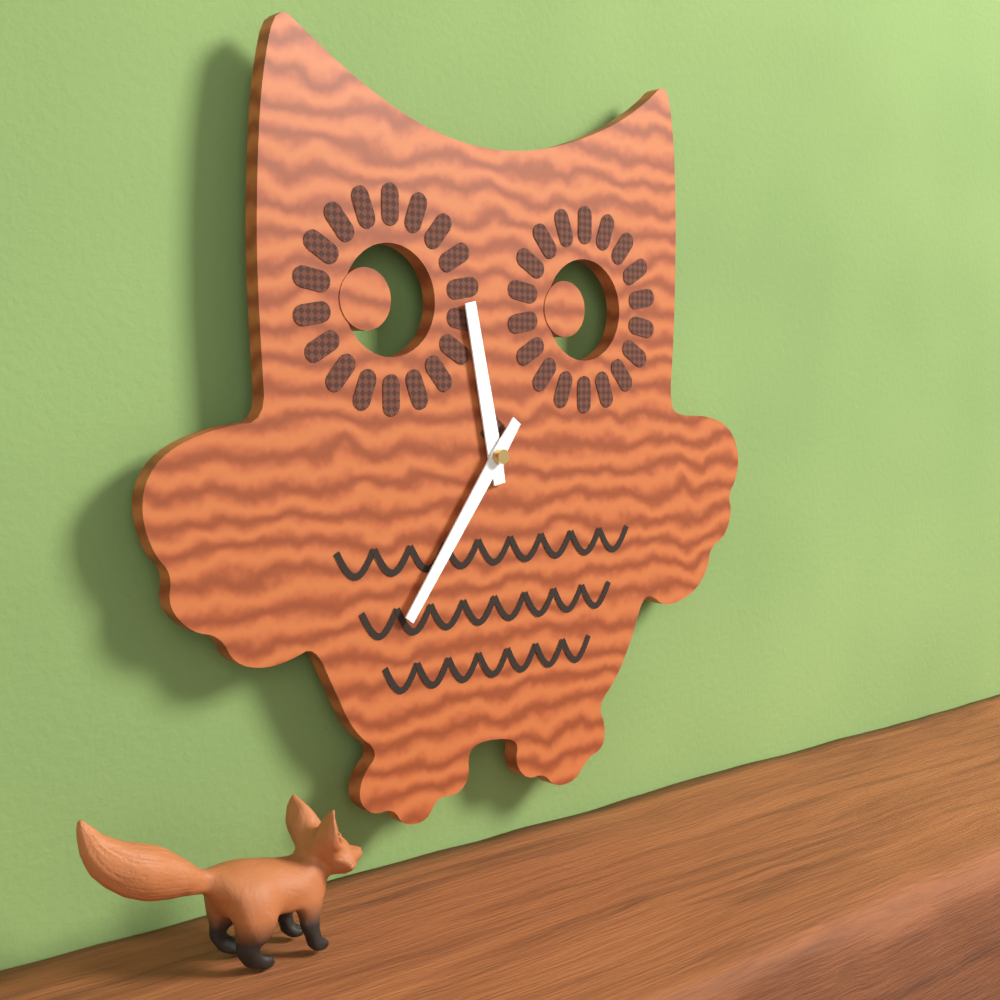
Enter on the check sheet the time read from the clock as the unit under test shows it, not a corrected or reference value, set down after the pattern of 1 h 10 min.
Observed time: 11 h 36 min
